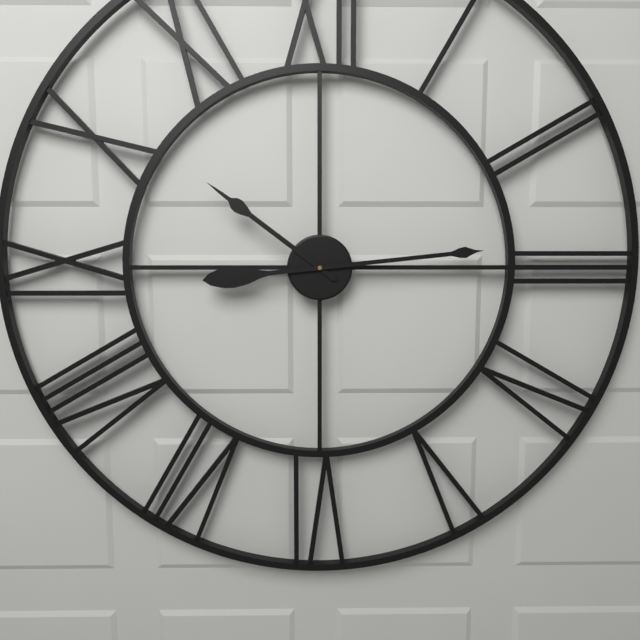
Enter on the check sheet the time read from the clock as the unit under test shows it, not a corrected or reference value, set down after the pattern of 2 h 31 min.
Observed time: 10 h 14 min
